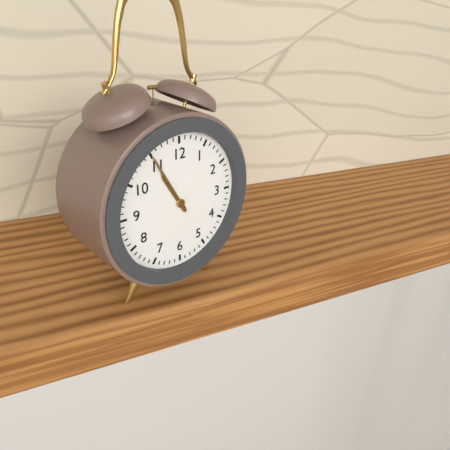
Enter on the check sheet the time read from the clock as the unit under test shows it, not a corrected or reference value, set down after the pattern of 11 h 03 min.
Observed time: 10 h 55 min
